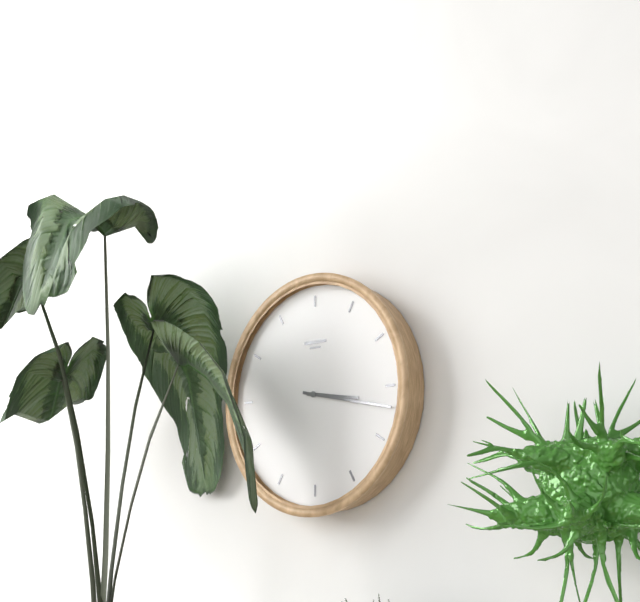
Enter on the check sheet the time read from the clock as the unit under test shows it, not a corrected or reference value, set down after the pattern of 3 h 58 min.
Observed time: 3 h 17 min
